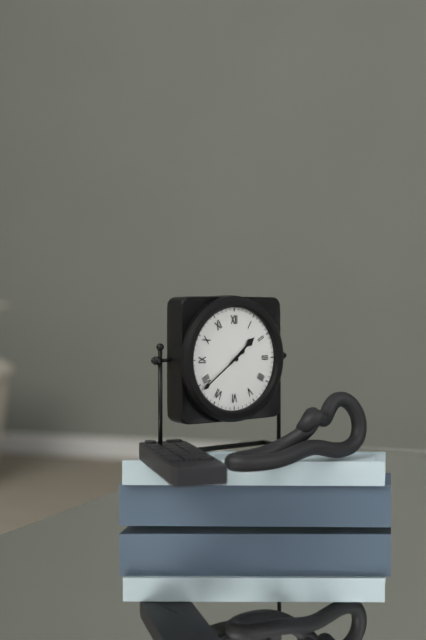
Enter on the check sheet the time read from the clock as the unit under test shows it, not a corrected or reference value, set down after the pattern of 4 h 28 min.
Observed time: 1 h 39 min
